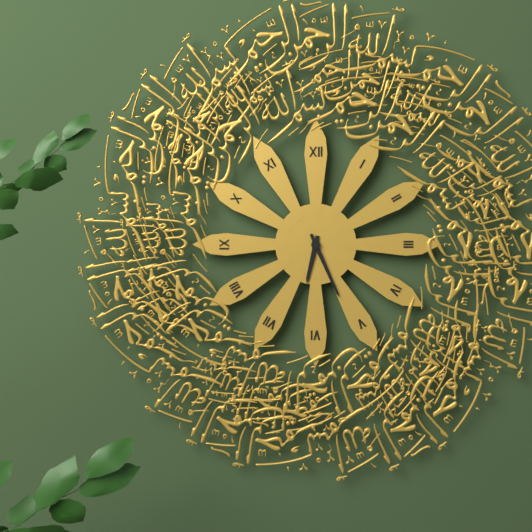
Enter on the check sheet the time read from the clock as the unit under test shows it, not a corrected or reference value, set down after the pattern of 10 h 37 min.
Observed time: 6 h 26 min
